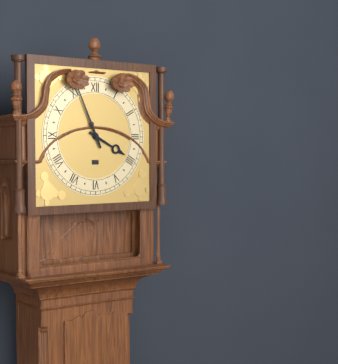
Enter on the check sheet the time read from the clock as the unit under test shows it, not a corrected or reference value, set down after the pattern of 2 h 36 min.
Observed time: 3 h 56 min
